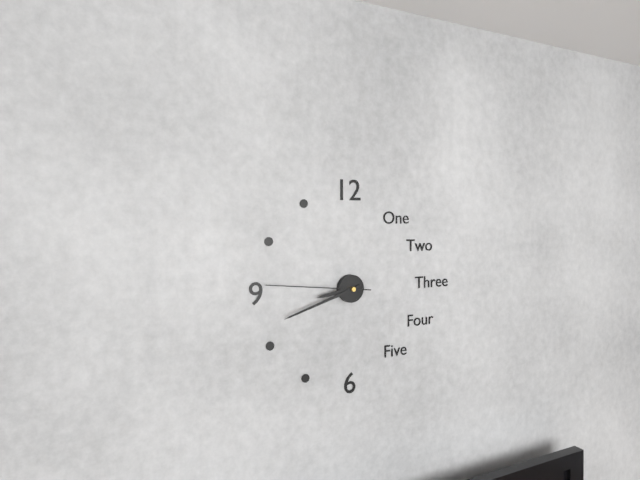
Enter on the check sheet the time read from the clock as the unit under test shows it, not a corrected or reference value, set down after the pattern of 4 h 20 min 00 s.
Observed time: 8 h 42 min 46 s
